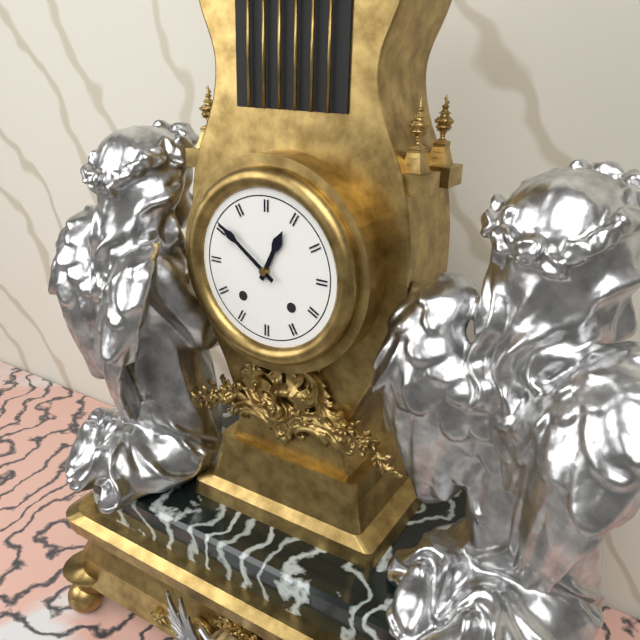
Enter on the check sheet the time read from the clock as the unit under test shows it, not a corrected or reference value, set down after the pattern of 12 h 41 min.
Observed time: 12 h 51 min
